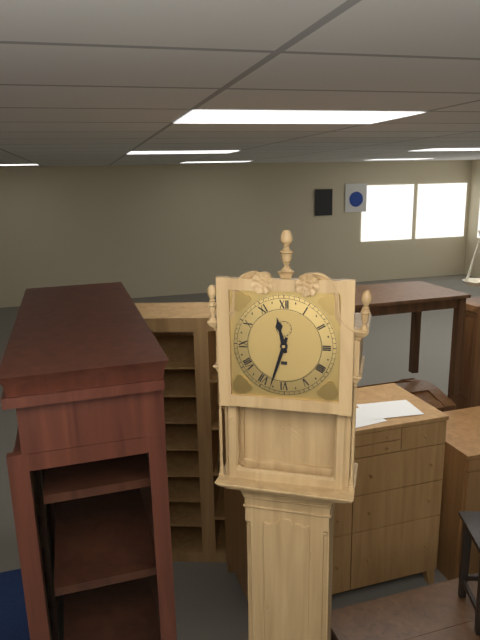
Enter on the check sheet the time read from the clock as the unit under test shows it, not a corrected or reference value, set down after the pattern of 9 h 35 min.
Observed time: 11 h 33 min
